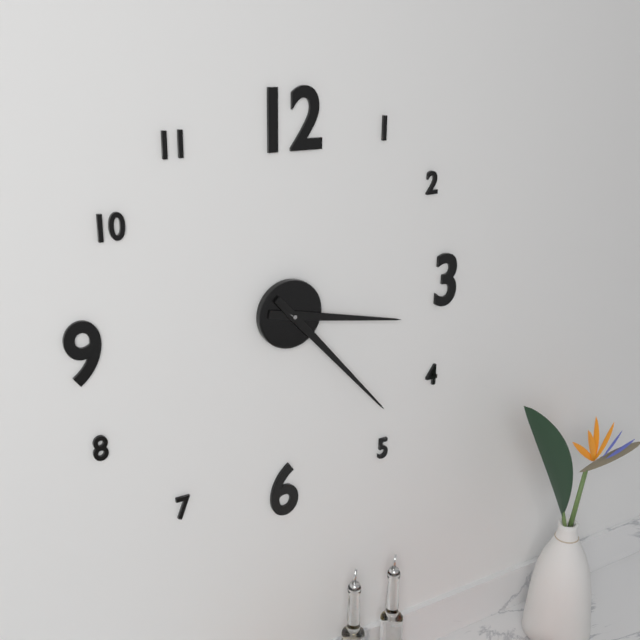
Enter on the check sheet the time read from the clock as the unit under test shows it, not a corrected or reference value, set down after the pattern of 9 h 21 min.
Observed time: 3 h 23 min
